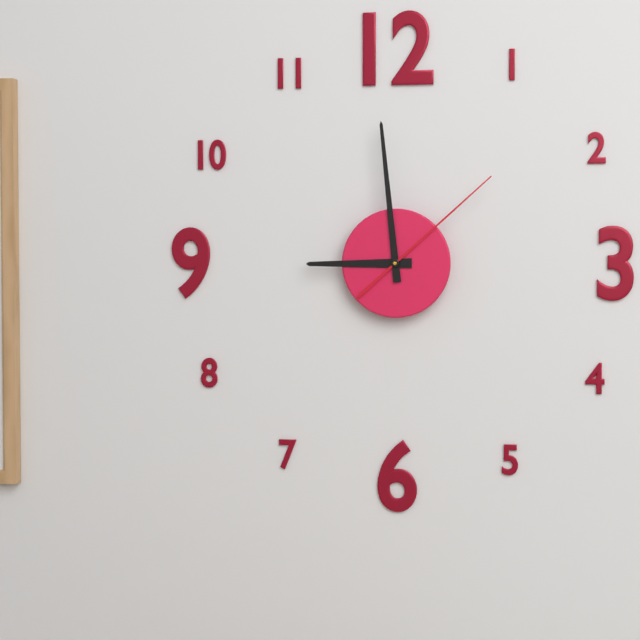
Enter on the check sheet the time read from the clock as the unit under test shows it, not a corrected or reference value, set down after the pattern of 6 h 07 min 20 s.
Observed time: 8 h 59 min 08 s
